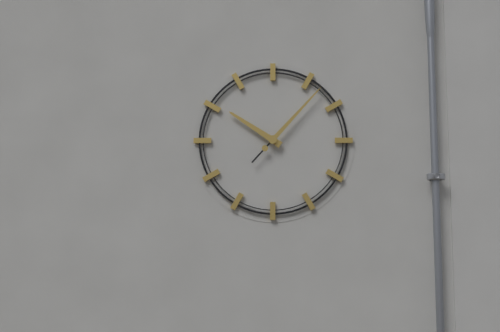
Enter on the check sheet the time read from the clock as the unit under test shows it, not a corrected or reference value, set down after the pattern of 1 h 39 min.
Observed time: 10 h 07 min
